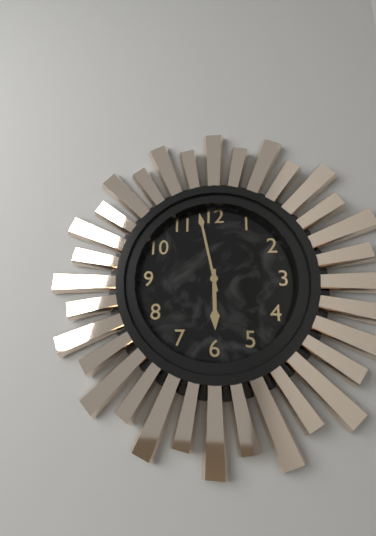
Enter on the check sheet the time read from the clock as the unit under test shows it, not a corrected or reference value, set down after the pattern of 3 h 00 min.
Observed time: 5 h 58 min
